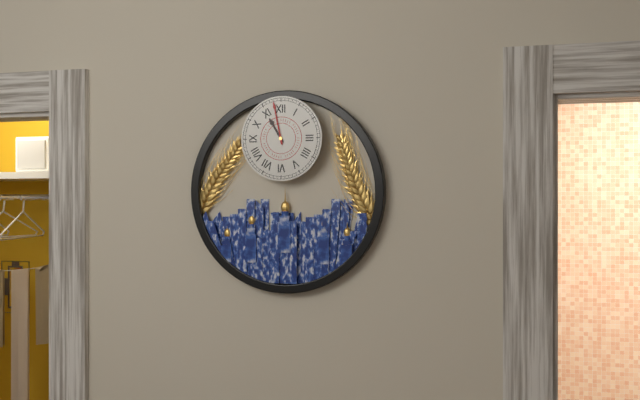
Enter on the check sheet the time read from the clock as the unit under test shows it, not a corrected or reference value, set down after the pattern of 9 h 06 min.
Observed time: 10 h 58 min
